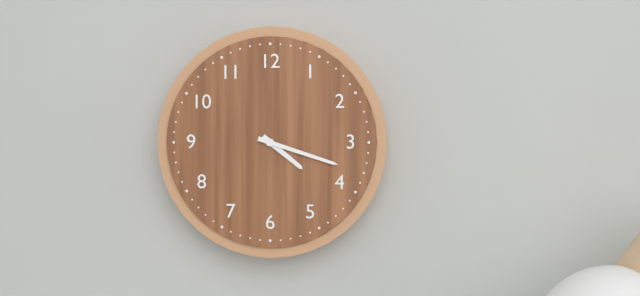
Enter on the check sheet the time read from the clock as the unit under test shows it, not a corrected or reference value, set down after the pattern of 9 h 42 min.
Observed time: 4 h 18 min
